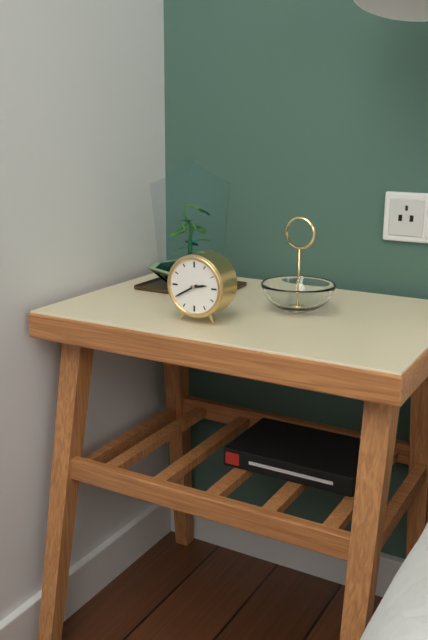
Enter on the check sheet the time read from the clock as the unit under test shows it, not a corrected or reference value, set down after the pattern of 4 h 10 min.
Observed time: 2 h 40 min
